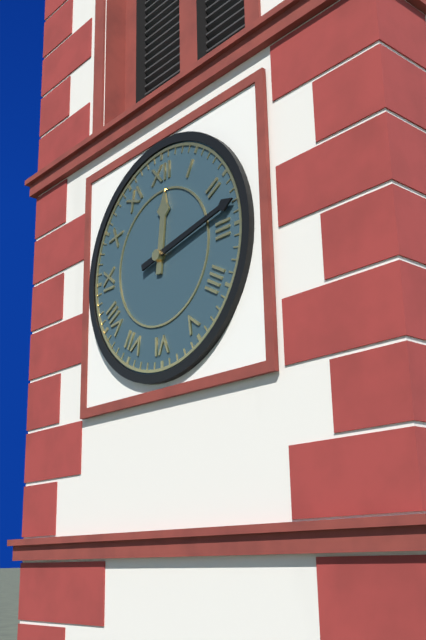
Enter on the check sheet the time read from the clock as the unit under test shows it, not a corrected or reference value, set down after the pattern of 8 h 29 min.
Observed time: 12 h 13 min
